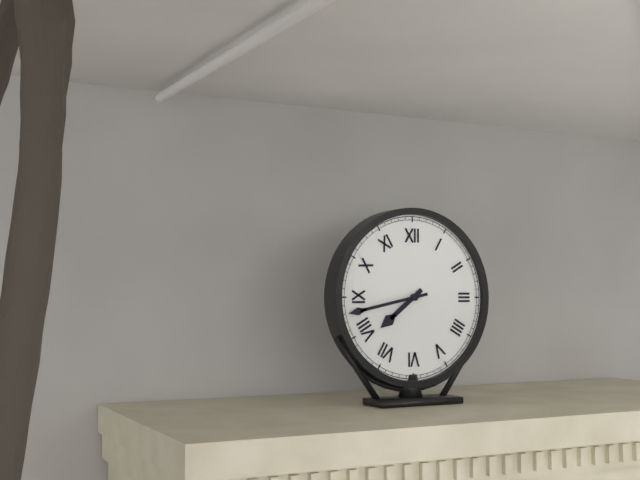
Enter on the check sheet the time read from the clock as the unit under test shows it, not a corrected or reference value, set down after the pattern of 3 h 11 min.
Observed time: 7 h 43 min
